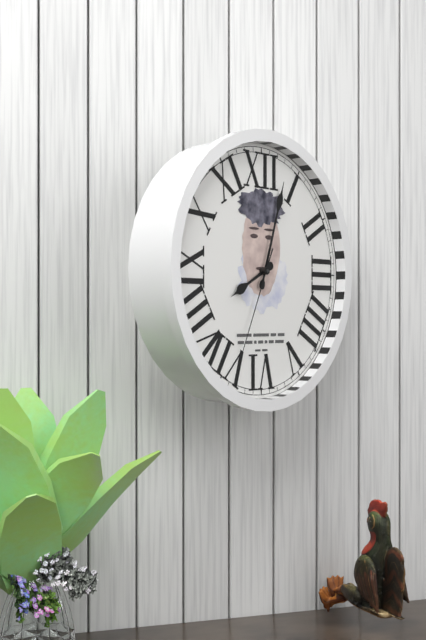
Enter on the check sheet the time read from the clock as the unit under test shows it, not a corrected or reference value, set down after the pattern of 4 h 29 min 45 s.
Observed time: 8 h 03 min 34 s
